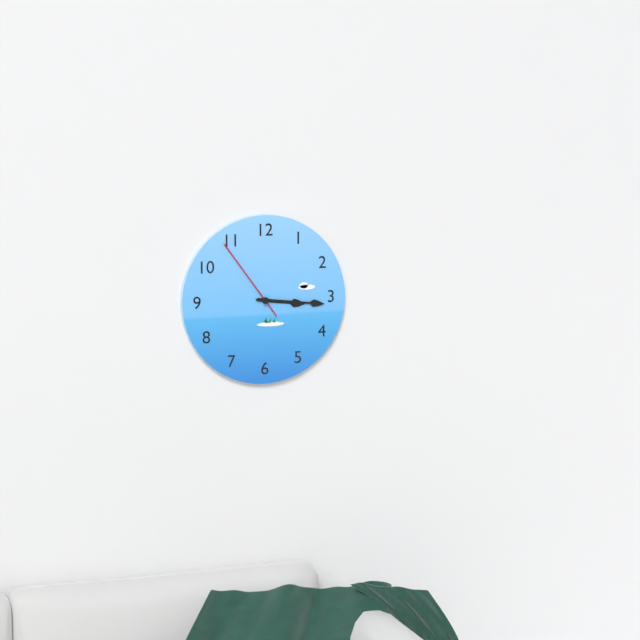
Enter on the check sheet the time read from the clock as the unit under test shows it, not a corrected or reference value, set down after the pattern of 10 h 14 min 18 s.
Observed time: 3 h 16 min 54 s
